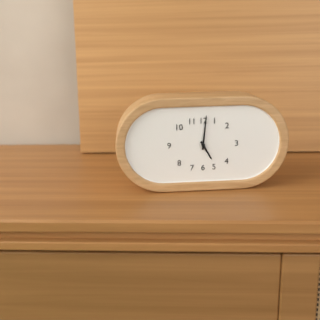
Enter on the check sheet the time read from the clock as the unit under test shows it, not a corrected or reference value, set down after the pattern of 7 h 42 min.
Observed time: 5 h 01 min
